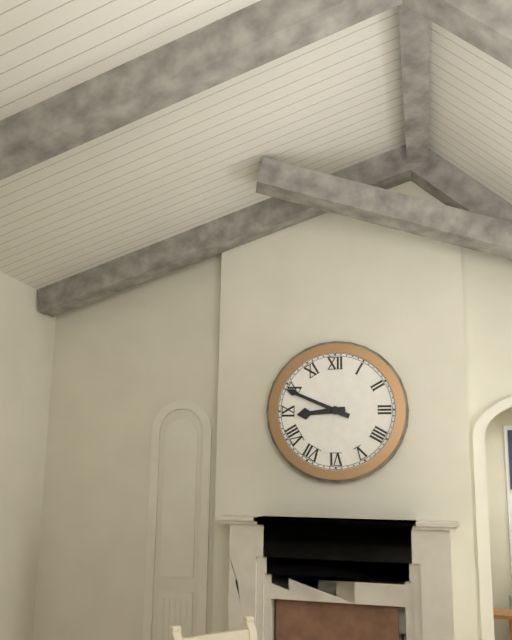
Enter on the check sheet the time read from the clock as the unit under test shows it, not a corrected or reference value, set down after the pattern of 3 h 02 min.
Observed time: 8 h 49 min
